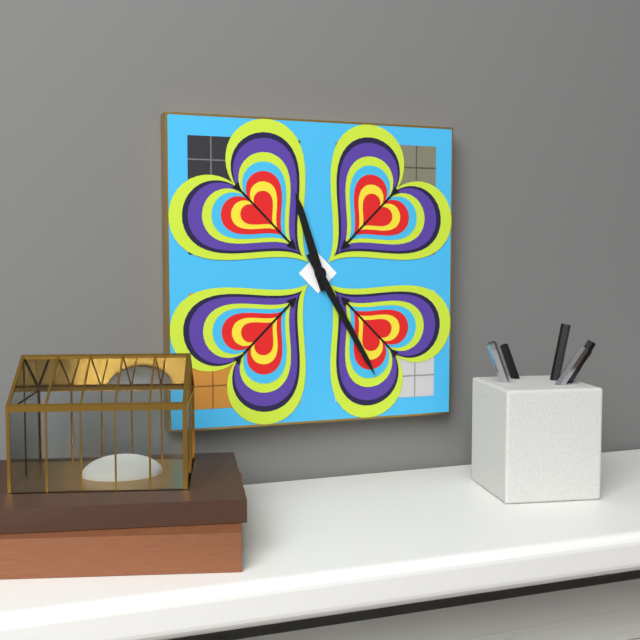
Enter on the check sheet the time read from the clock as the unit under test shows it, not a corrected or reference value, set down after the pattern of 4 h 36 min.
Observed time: 11 h 25 min
